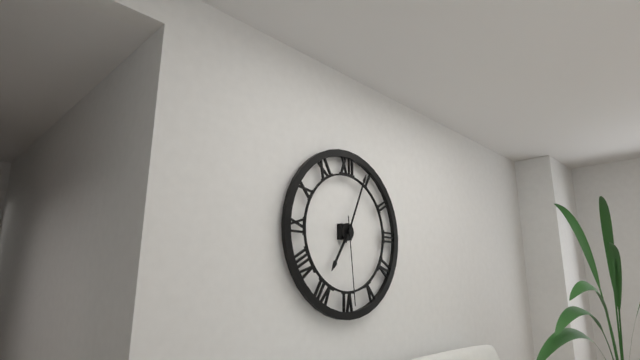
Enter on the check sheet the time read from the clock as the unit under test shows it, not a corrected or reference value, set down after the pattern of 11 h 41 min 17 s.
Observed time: 7 h 04 min 29 s
